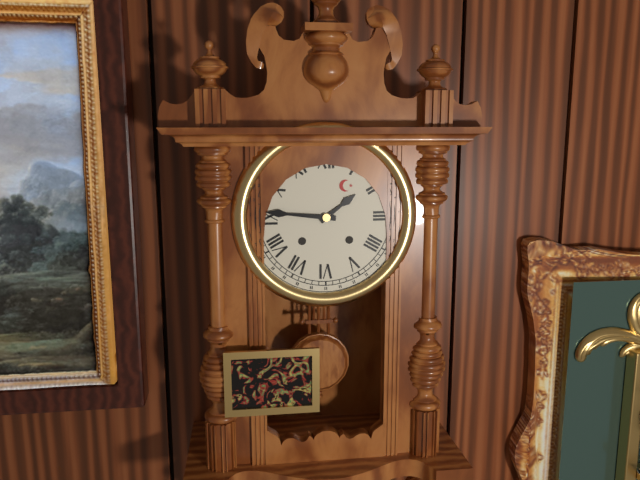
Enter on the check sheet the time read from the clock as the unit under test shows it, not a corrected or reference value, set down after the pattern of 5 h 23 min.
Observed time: 1 h 46 min
